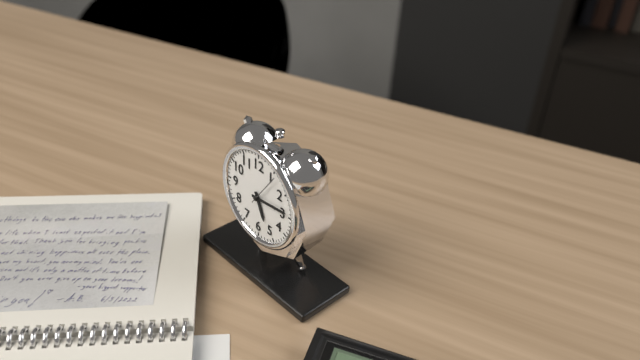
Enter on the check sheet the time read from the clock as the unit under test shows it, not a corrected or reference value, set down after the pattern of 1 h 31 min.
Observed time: 5 h 14 min
